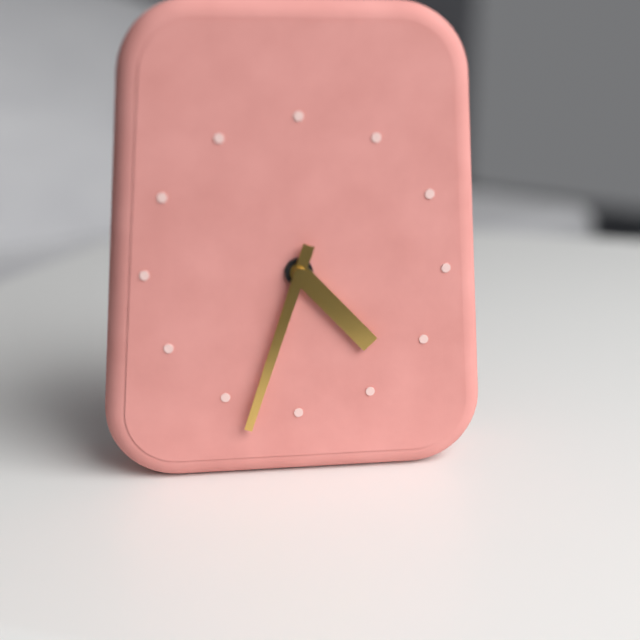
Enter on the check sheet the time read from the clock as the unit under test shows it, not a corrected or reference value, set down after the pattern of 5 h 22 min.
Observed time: 4 h 33 min
